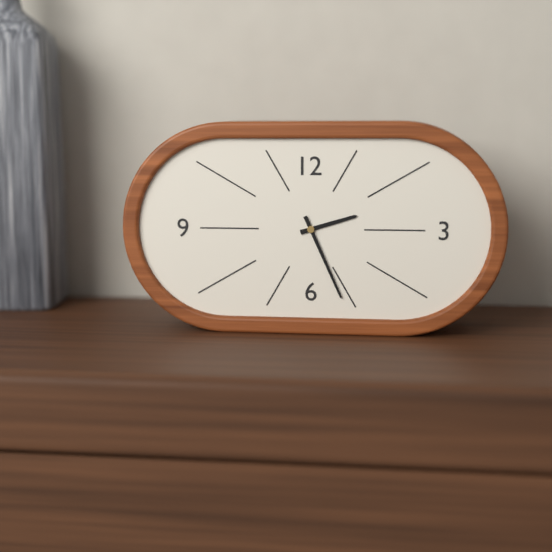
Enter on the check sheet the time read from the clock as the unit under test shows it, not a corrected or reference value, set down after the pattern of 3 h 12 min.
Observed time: 2 h 26 min
